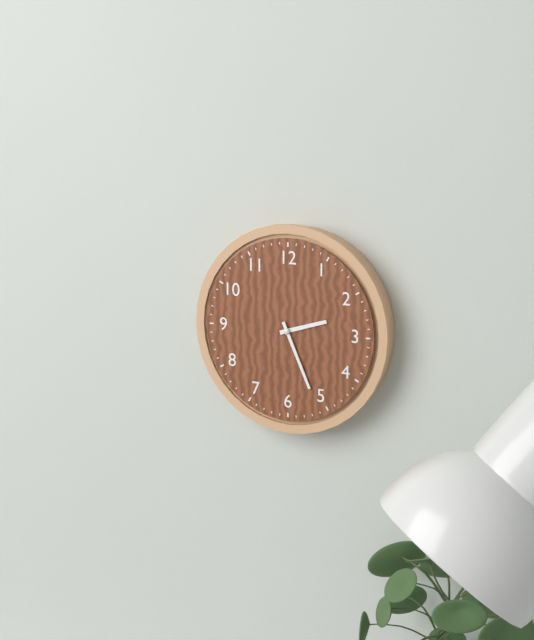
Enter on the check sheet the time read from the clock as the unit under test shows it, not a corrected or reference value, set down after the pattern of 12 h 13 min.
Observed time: 2 h 26 min
